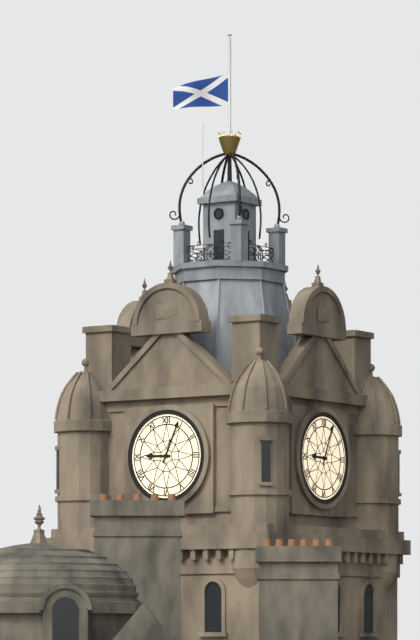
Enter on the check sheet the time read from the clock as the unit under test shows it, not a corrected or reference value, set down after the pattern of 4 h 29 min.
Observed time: 9 h 04 min
